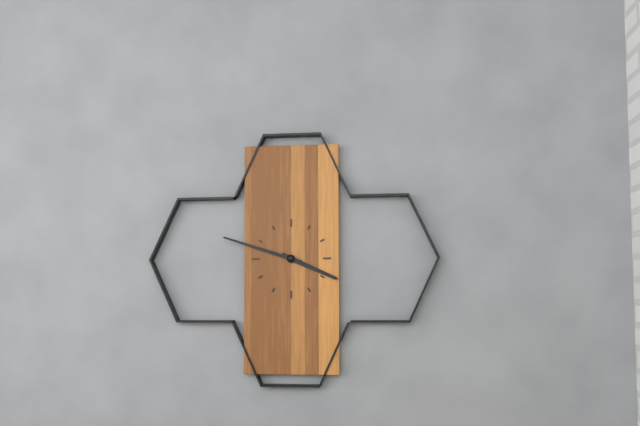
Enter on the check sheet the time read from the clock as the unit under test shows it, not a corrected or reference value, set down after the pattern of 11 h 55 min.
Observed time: 3 h 48 min
